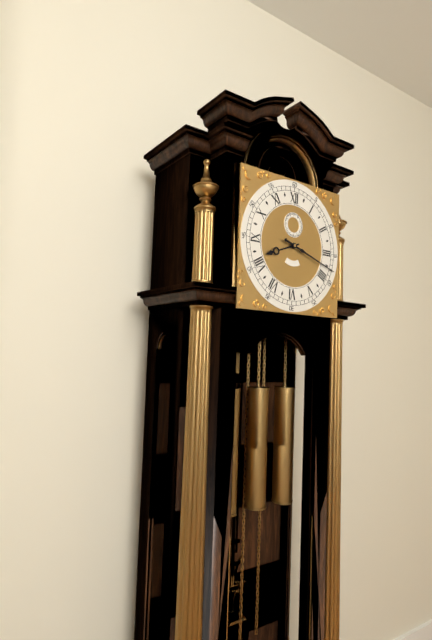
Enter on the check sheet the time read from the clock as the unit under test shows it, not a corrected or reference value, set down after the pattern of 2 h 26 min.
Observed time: 8 h 18 min
